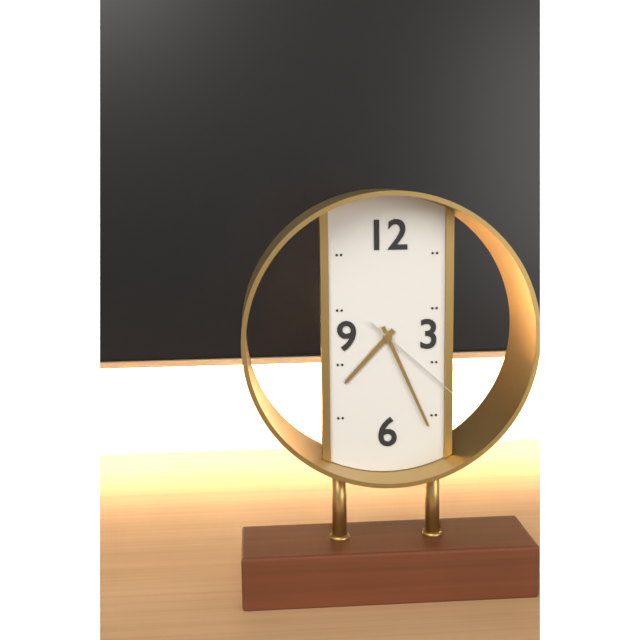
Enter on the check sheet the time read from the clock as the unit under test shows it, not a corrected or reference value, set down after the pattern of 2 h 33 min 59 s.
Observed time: 7 h 26 min 22 s
